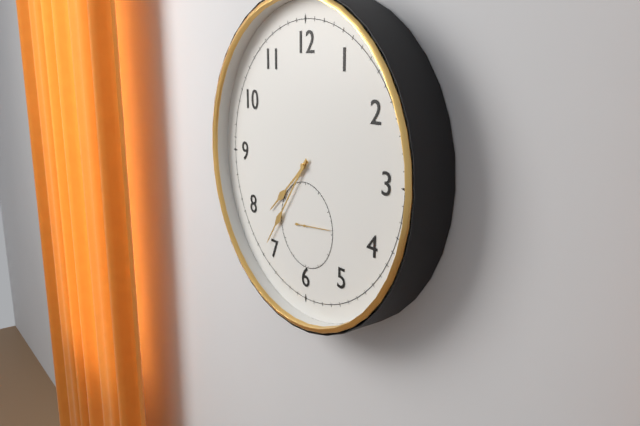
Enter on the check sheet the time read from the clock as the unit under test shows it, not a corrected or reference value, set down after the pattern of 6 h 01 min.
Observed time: 7 h 36 min
